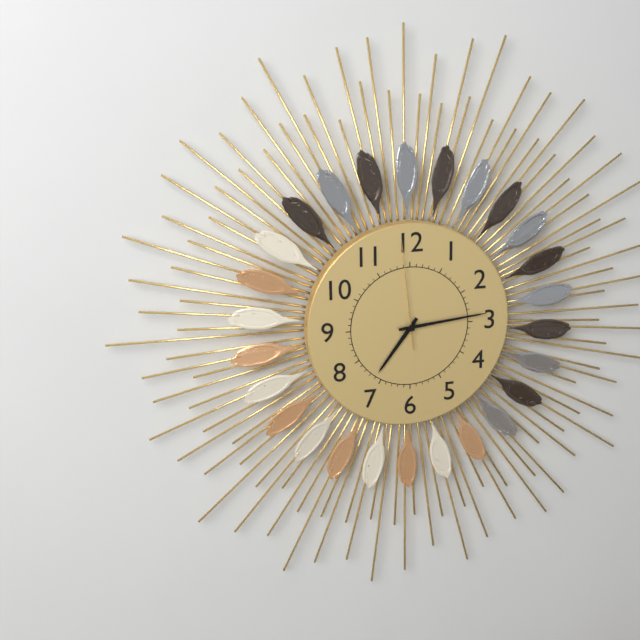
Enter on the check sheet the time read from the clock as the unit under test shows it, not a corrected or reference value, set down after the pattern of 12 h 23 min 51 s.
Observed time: 7 h 14 min 59 s
